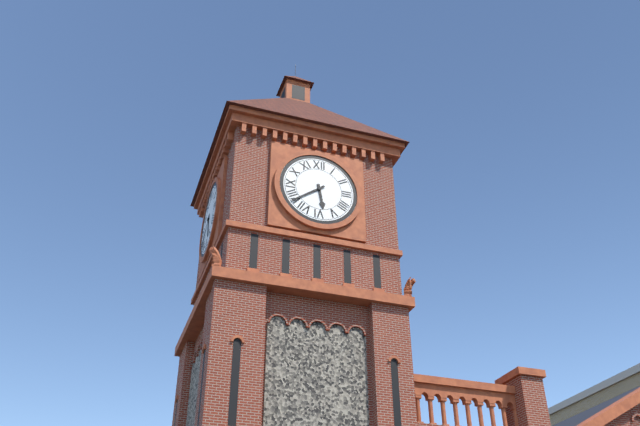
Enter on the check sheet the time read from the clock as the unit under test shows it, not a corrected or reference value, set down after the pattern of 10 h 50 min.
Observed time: 5 h 39 min
